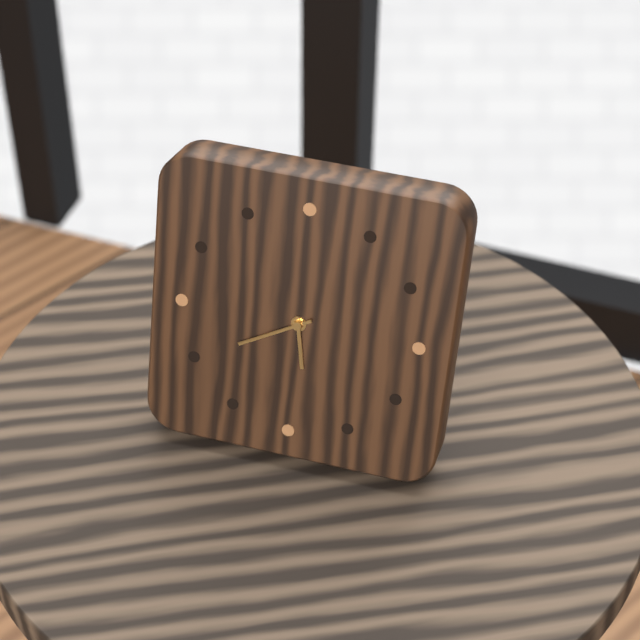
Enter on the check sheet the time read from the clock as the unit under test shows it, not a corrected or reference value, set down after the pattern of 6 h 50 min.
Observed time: 5 h 40 min
